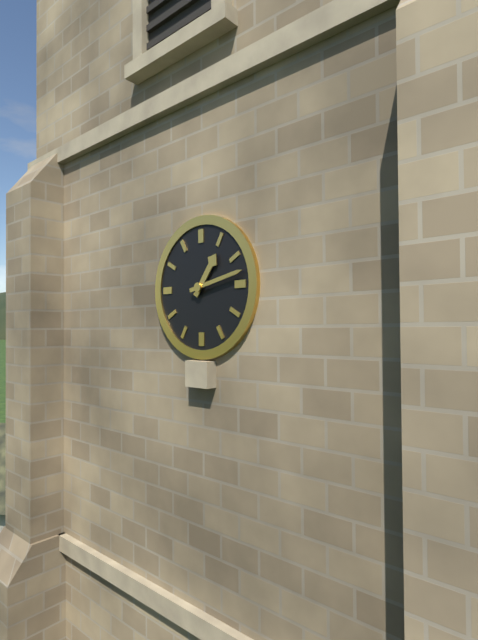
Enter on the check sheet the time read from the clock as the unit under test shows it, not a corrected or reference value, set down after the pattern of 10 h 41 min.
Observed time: 1 h 13 min
